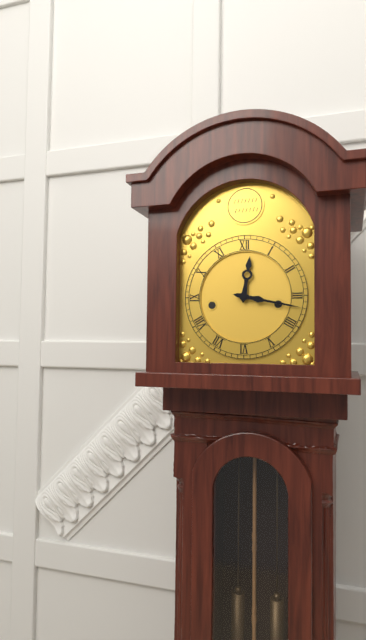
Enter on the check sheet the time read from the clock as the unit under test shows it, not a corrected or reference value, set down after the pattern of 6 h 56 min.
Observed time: 12 h 17 min
